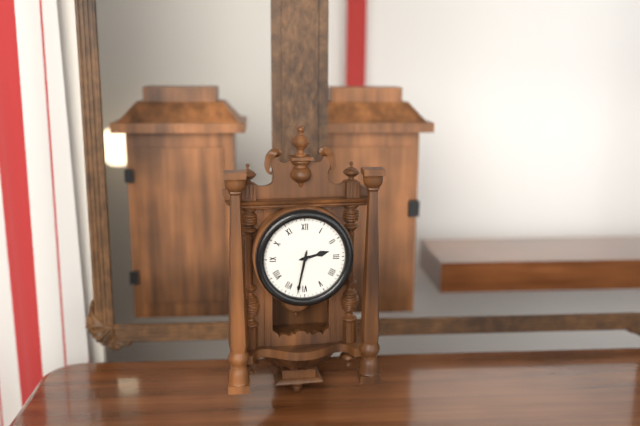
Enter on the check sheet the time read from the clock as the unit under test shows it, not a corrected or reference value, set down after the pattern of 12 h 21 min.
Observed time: 2 h 32 min
